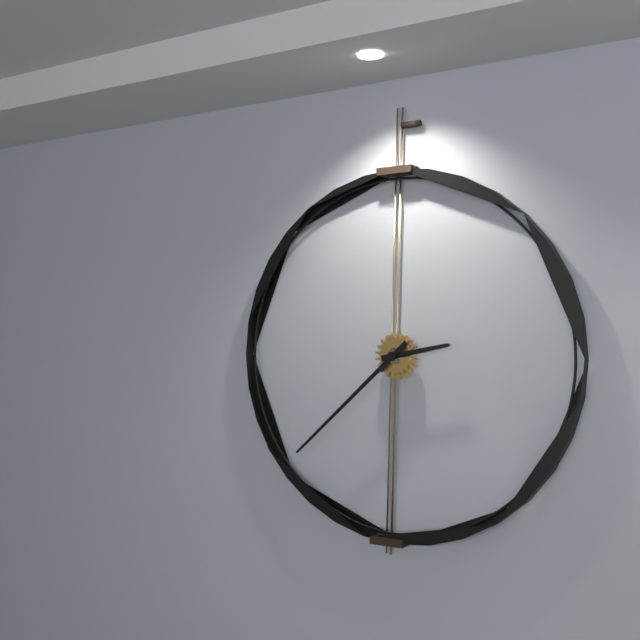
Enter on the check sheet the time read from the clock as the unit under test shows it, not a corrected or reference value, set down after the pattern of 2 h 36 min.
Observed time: 2 h 38 min
